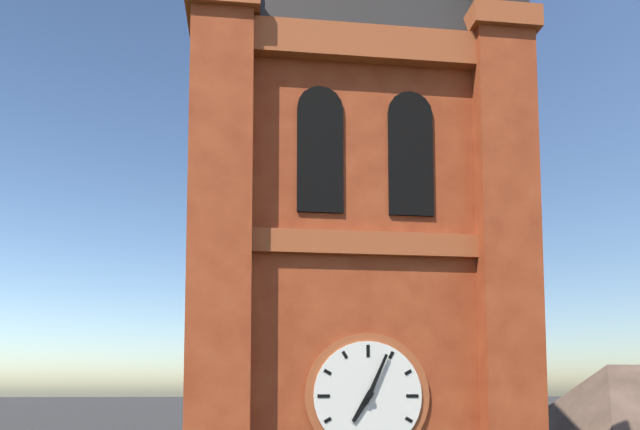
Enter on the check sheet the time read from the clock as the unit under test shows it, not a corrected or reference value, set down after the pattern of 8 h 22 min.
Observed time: 7 h 04 min
